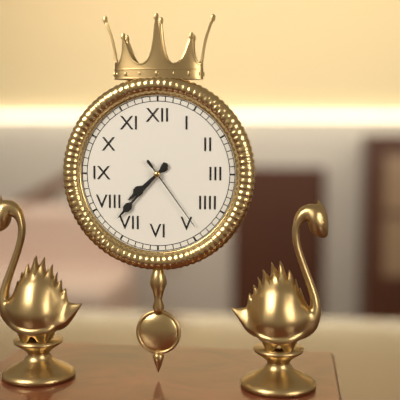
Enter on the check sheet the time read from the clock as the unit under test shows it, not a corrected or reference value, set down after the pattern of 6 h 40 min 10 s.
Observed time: 7 h 37 min 24 s
